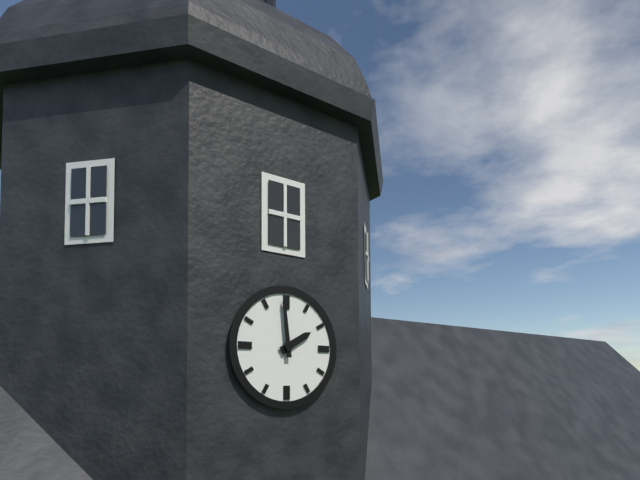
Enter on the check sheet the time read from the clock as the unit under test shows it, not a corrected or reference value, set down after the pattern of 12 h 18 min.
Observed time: 1 h 59 min
